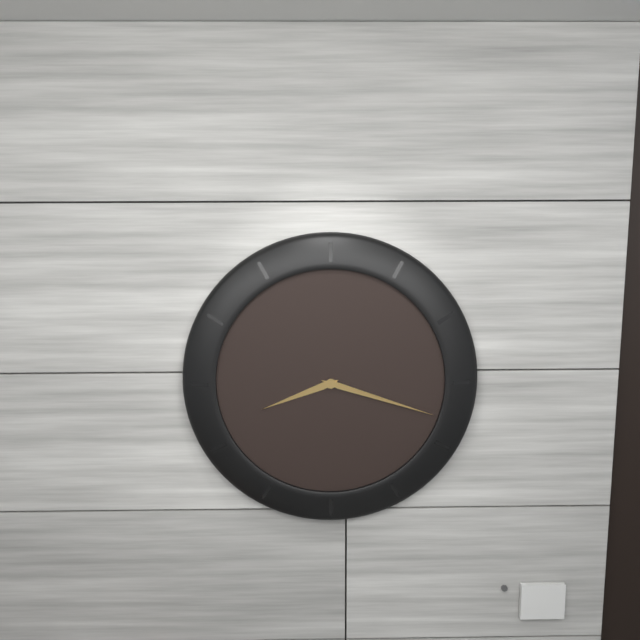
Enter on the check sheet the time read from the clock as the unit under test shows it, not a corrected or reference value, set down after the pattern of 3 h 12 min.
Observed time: 8 h 18 min
